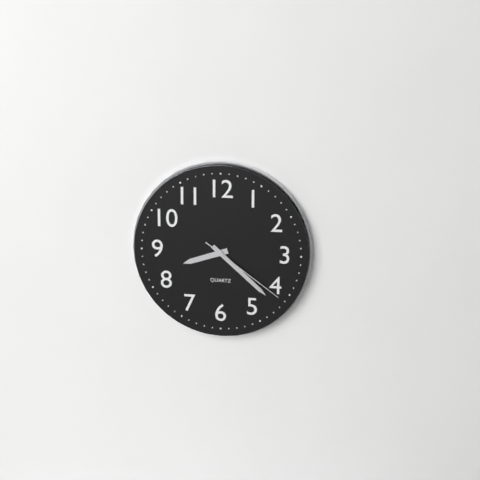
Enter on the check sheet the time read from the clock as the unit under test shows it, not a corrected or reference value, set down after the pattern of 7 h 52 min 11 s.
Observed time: 8 h 22 min 21 s
